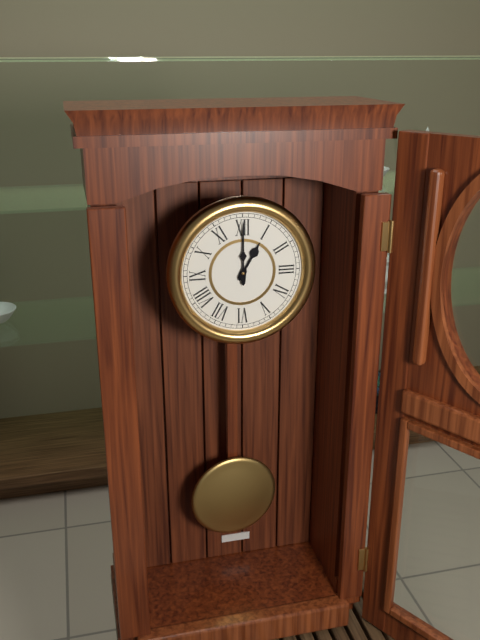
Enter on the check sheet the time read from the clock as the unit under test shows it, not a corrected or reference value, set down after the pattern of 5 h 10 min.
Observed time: 1 h 00 min
